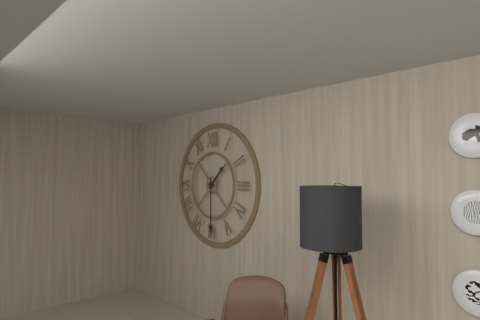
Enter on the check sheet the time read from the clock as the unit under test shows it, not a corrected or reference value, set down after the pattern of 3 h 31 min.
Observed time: 1 h 30 min
